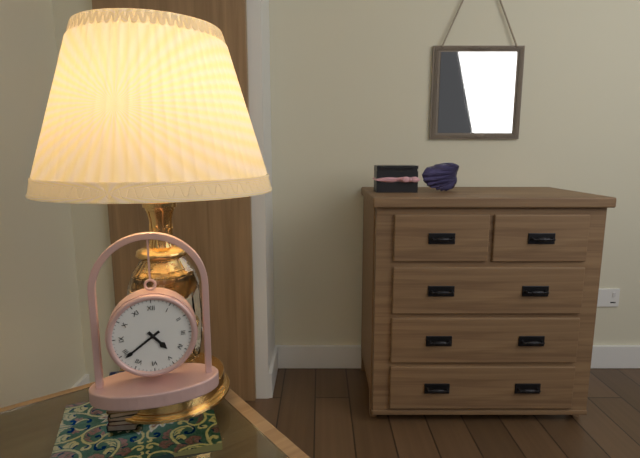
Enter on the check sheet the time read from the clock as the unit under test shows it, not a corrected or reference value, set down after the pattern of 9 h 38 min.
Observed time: 4 h 39 min
